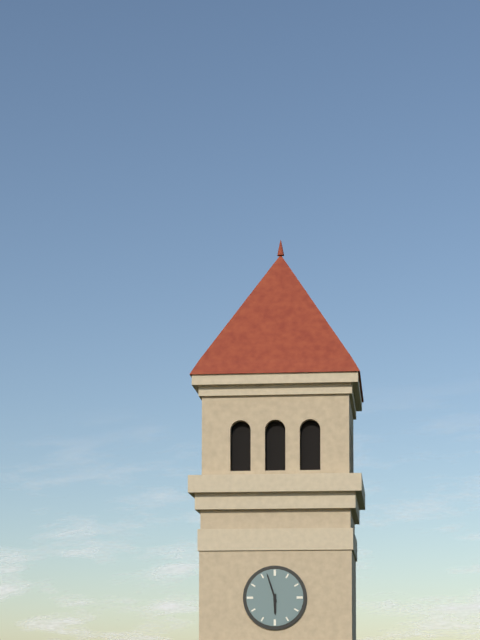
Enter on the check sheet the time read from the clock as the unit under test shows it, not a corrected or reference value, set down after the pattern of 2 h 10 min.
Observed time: 5 h 57 min
